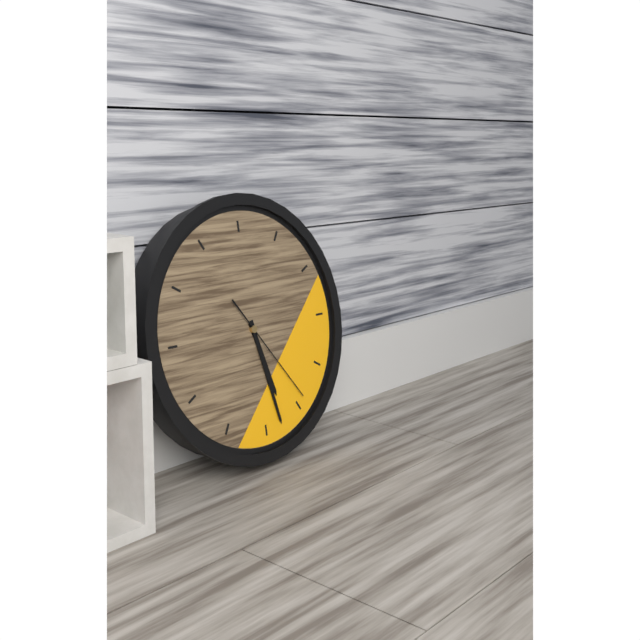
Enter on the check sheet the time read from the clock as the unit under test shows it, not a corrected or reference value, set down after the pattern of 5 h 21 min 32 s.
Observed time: 5 h 28 min 24 s
